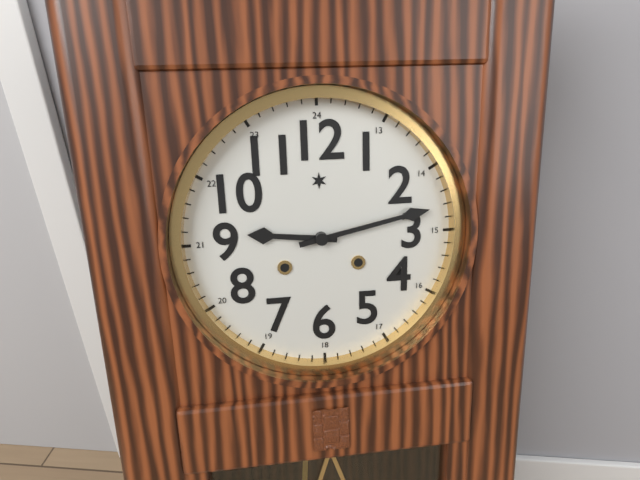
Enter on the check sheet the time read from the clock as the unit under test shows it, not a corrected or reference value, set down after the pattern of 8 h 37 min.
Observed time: 9 h 13 min
